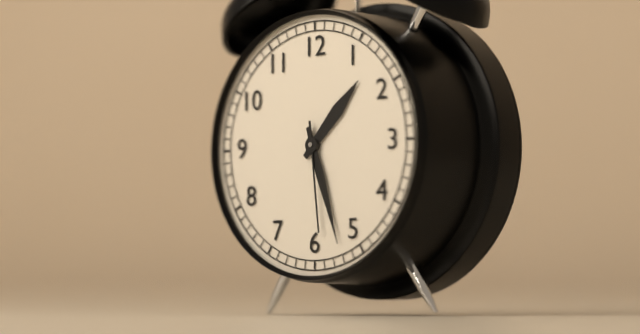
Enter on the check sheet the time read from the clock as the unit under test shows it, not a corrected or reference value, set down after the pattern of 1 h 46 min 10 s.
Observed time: 1 h 27 min 29 s
